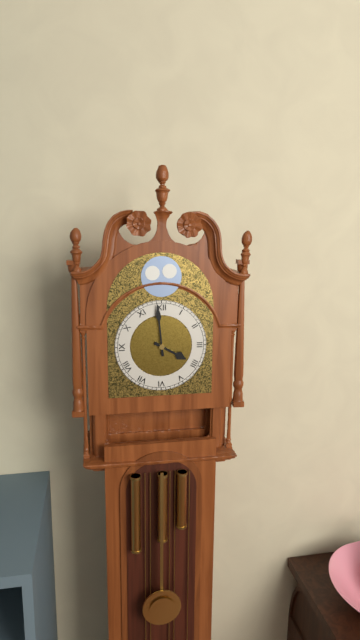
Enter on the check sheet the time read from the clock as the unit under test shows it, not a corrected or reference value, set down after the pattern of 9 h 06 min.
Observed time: 3 h 59 min
